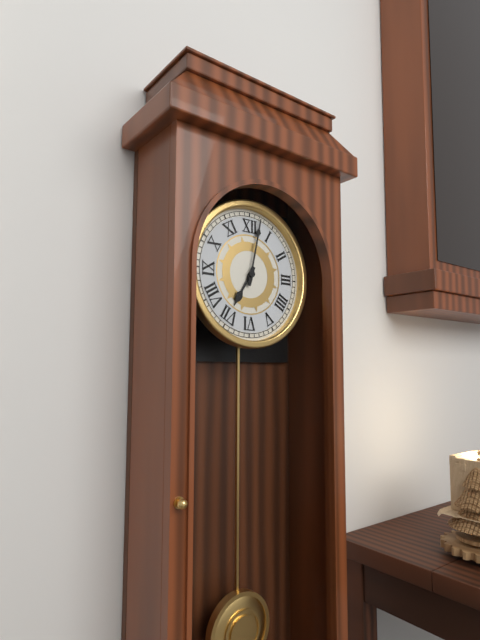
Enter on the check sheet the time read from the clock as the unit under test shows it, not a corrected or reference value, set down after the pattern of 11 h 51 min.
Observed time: 7 h 02 min
